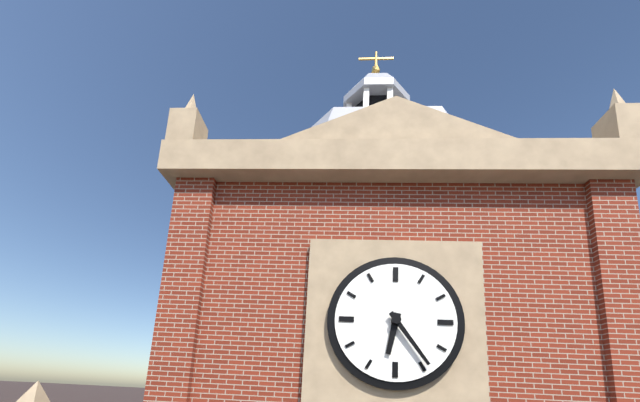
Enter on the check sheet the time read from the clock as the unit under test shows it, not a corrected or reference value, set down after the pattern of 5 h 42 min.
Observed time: 6 h 24 min
